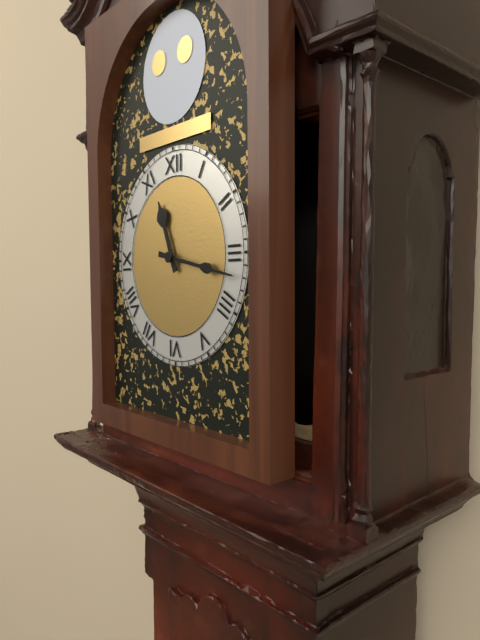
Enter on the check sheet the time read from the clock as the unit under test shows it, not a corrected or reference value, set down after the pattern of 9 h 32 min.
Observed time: 11 h 17 min
